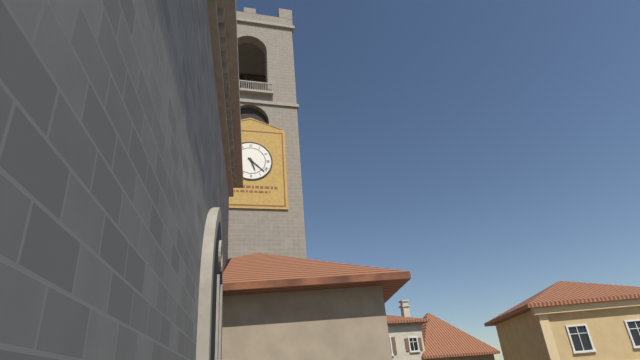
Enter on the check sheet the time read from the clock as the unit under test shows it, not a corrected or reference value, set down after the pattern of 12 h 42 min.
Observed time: 5 h 22 min
